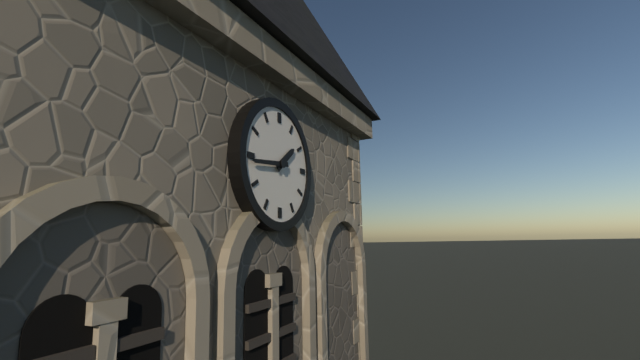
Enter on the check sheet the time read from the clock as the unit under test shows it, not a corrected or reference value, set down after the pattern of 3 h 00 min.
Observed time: 1 h 44 min
